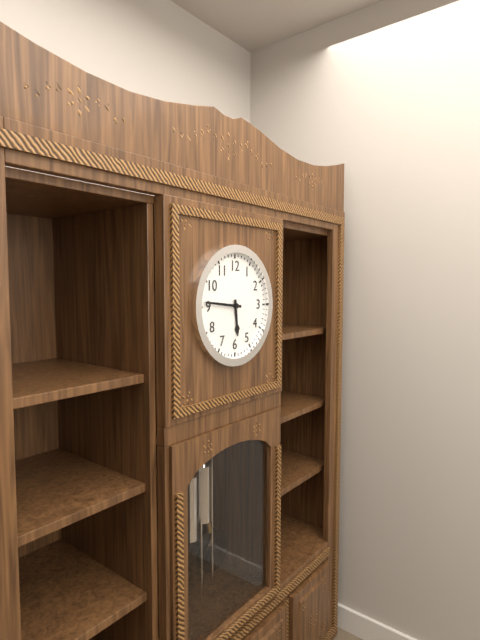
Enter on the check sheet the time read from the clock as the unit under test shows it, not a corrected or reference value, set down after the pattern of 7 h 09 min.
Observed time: 5 h 46 min
